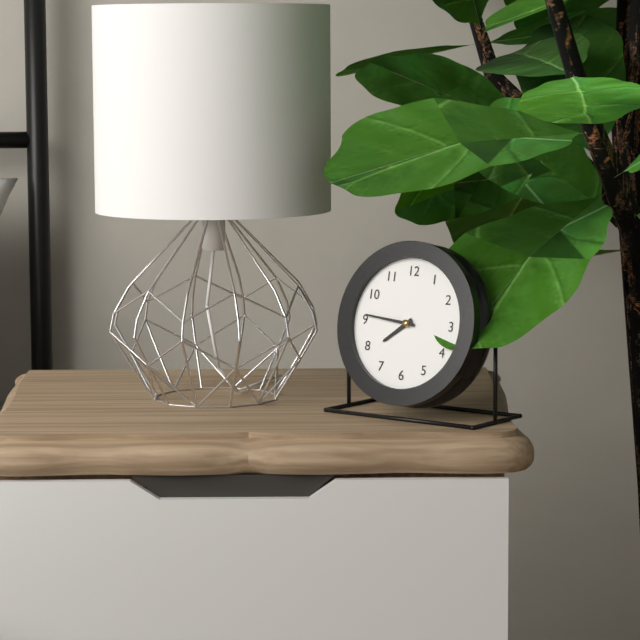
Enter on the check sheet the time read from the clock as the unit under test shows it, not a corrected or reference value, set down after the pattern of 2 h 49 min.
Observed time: 7 h 46 min
